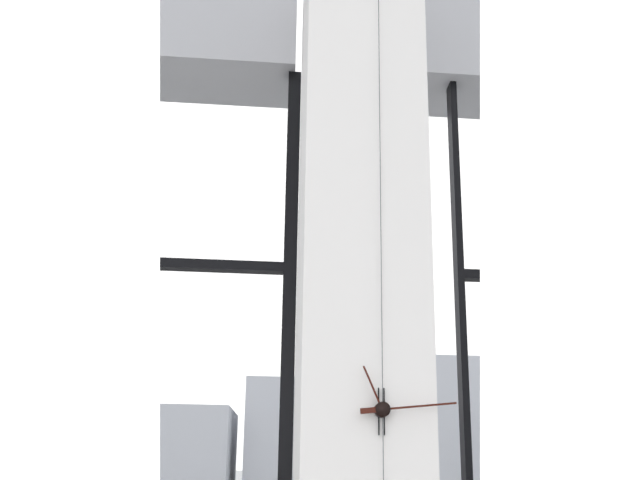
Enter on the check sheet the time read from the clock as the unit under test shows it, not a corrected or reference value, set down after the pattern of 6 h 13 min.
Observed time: 11 h 14 min
